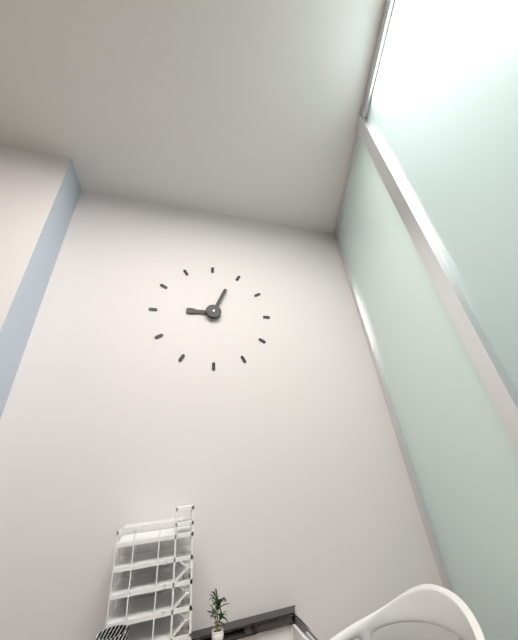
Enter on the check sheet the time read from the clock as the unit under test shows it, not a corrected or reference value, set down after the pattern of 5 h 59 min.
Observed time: 9 h 04 min
